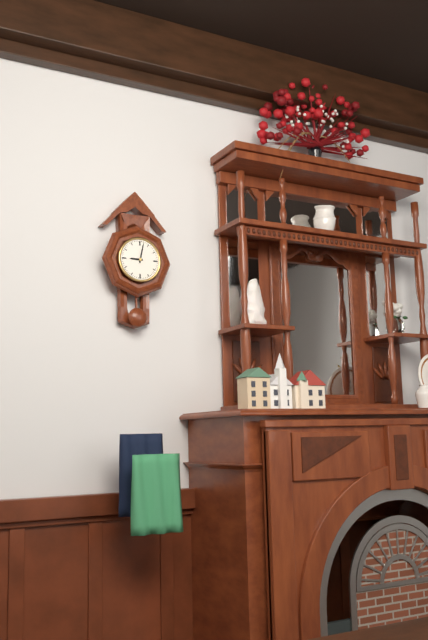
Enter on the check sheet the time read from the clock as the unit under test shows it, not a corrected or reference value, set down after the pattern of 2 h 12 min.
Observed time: 9 h 02 min
